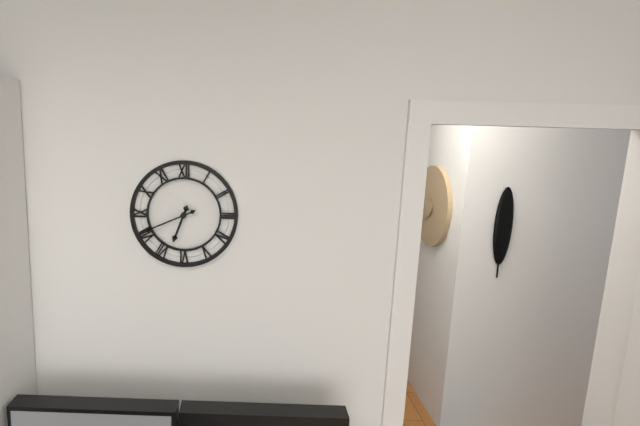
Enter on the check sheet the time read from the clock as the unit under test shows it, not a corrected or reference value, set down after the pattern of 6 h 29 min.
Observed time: 6 h 41 min
